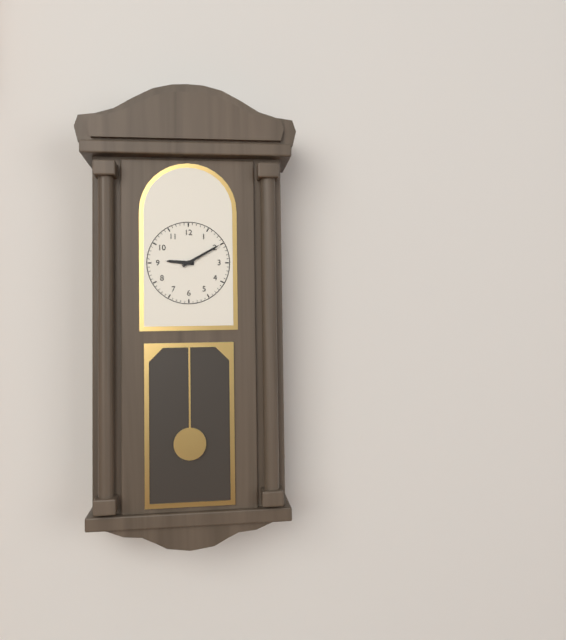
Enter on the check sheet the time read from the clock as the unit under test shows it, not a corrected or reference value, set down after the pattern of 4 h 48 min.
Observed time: 9 h 10 min
